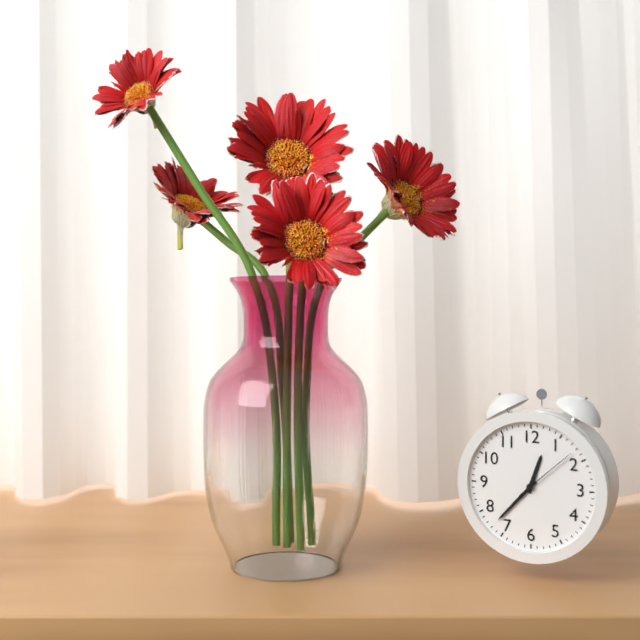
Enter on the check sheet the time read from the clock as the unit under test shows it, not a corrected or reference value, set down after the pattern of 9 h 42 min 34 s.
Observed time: 12 h 37 min 08 s
